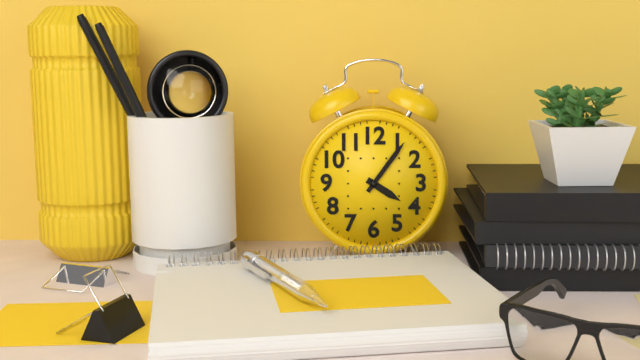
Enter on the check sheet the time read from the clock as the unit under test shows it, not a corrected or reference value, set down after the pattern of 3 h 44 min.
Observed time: 4 h 06 min
